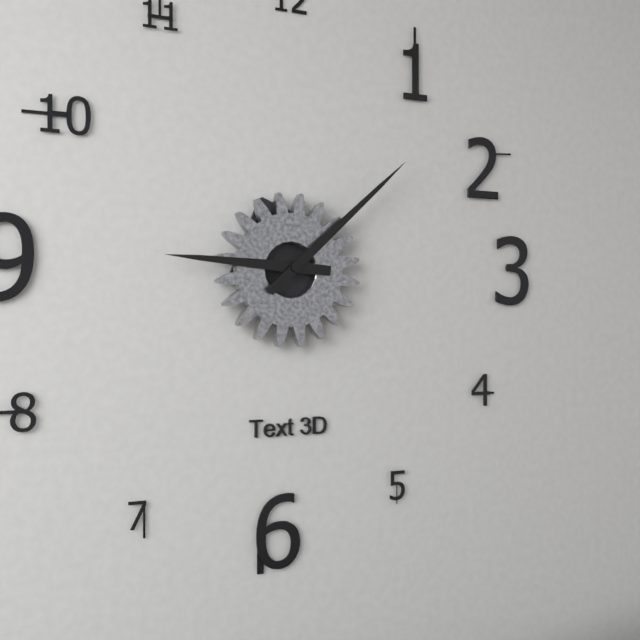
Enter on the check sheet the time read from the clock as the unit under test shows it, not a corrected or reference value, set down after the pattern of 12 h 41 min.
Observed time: 9 h 08 min
